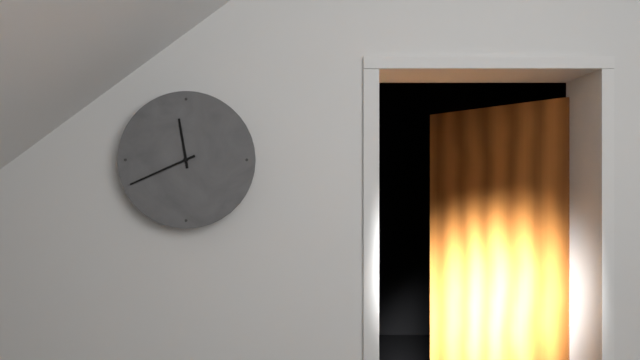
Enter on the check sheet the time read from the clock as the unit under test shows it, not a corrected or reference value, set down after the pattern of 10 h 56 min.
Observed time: 11 h 41 min
